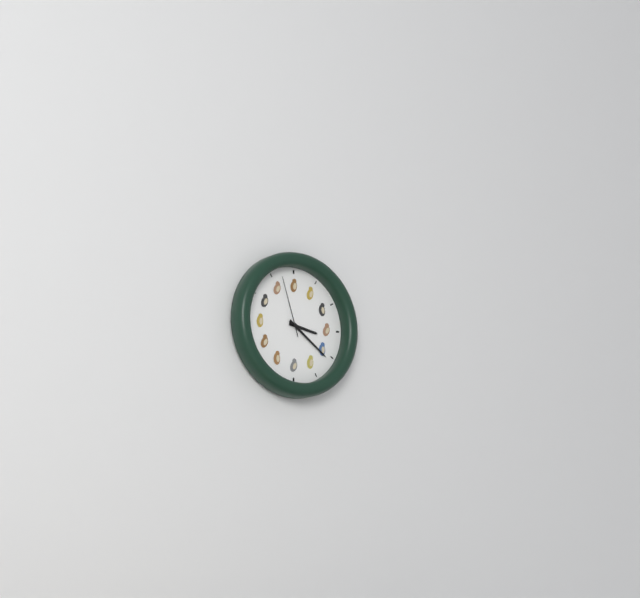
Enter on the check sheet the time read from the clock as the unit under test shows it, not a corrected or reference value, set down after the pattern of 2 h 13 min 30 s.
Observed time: 3 h 21 min 57 s
